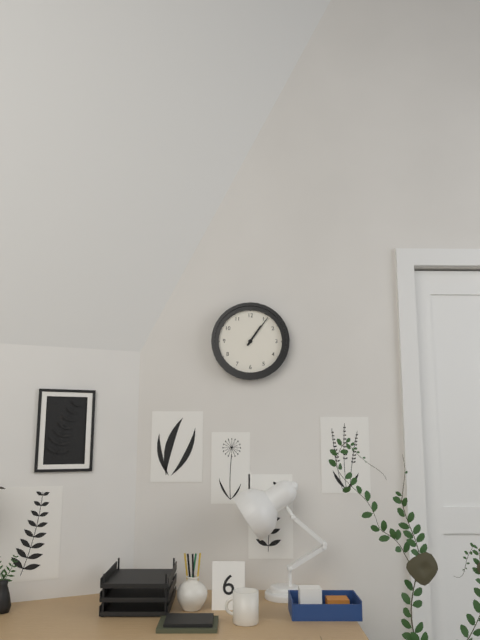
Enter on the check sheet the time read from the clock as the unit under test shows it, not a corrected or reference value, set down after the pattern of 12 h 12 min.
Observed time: 1 h 06 min
